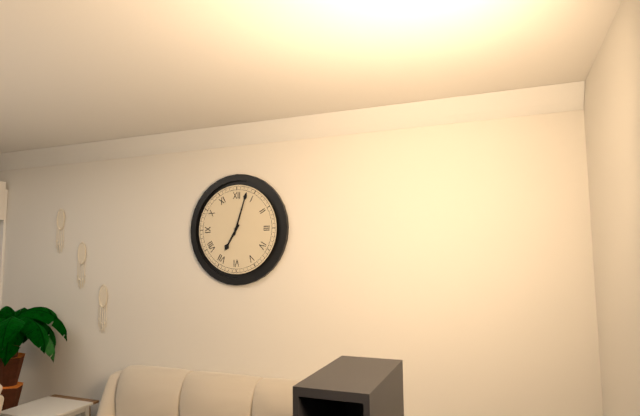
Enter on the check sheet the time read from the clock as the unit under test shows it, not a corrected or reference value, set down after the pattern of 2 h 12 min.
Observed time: 7 h 03 min
